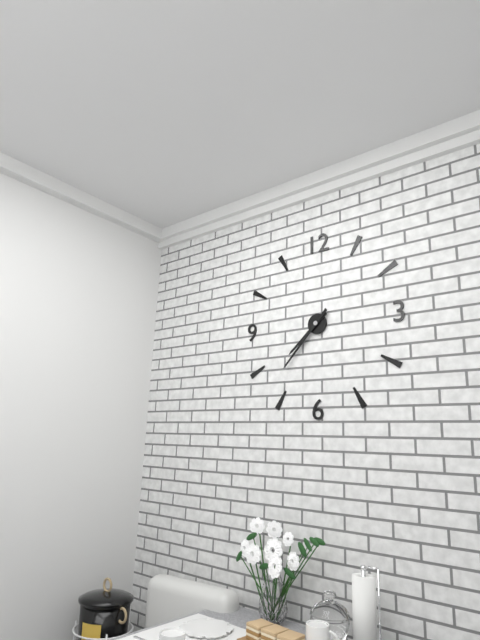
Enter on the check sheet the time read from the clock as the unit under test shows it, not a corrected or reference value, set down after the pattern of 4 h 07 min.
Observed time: 7 h 37 min
